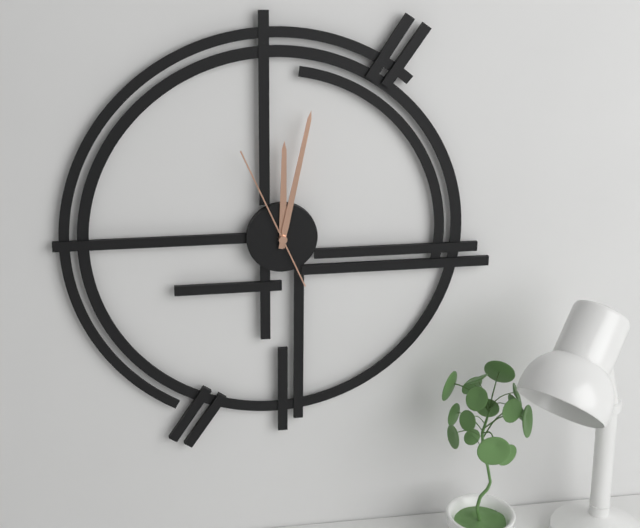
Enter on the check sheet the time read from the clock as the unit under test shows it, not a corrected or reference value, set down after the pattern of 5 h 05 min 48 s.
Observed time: 12 h 02 min 56 s
